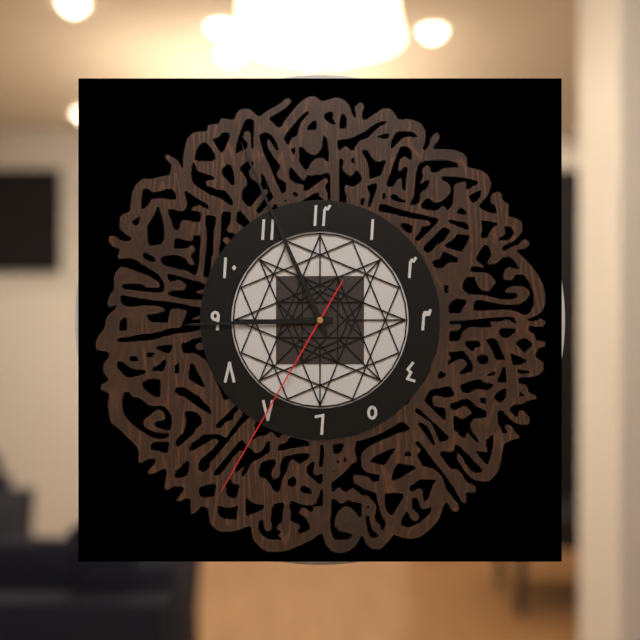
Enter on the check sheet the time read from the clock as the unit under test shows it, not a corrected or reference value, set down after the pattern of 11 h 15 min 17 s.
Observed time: 8 h 56 min 35 s
